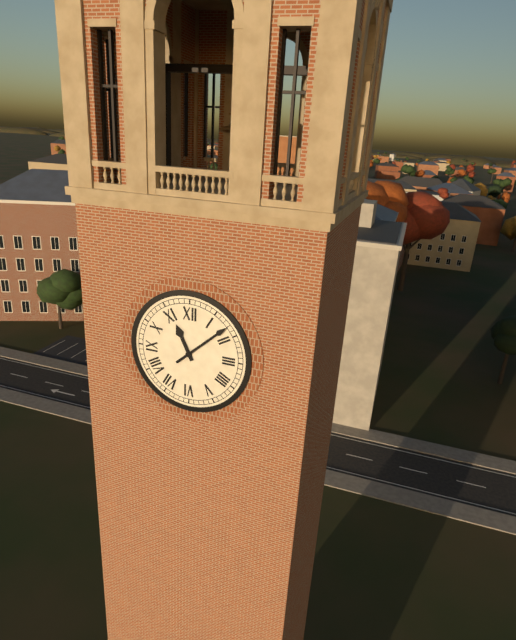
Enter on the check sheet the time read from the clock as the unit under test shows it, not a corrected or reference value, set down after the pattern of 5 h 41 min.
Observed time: 11 h 08 min
